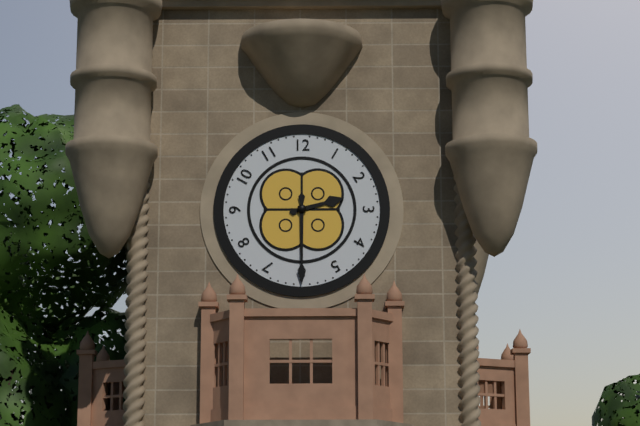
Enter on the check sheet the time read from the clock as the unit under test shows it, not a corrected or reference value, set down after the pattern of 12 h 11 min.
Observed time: 2 h 30 min
